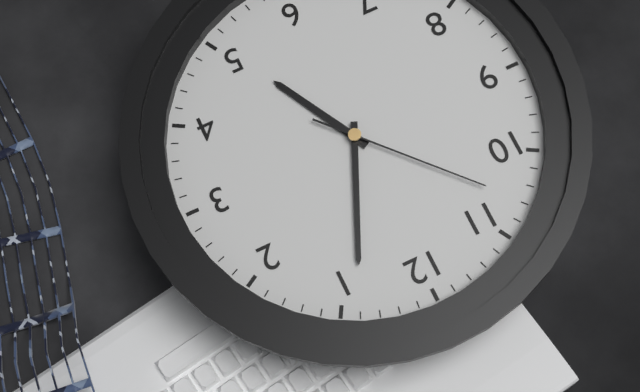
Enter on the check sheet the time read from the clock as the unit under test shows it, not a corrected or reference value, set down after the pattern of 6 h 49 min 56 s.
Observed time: 5 h 04 min 53 s
